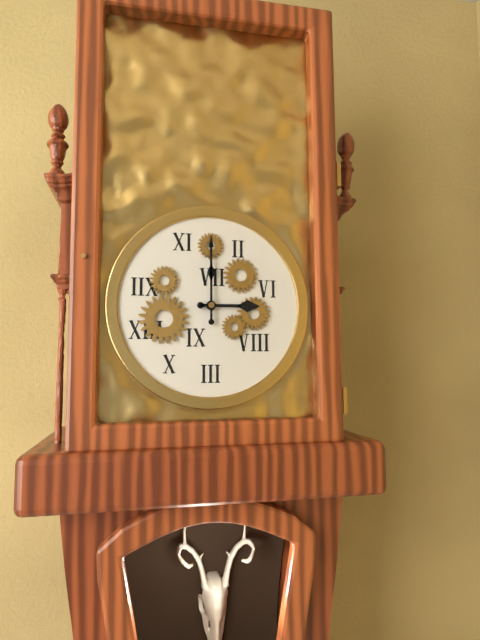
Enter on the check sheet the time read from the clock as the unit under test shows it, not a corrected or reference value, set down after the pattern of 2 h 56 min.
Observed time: 3 h 00 min
